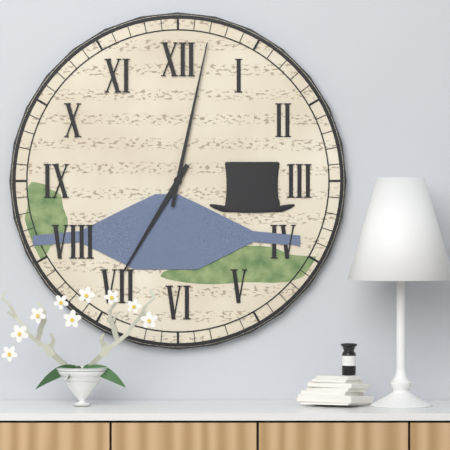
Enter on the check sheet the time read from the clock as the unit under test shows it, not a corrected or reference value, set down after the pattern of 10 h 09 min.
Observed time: 7 h 02 min
